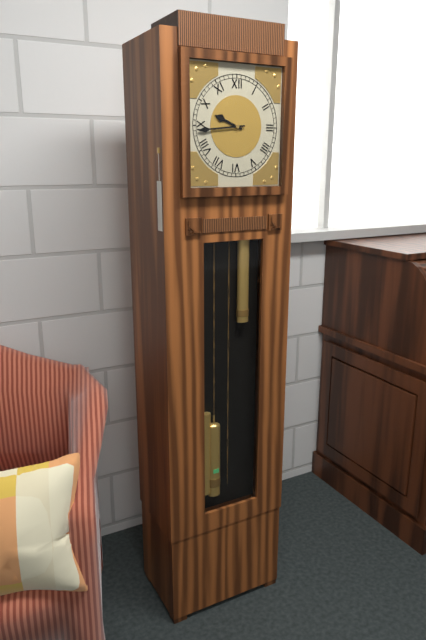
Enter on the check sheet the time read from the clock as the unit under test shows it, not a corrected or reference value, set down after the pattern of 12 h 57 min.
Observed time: 9 h 44 min
